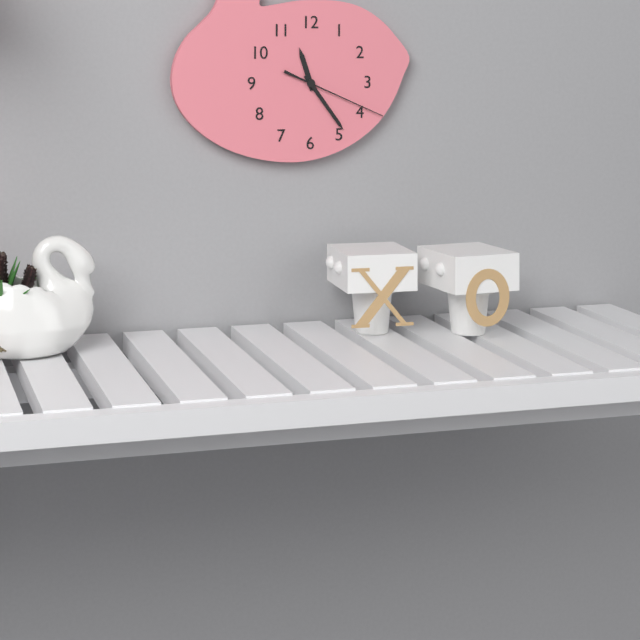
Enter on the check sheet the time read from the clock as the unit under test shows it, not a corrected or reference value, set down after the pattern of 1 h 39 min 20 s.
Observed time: 11 h 24 min 19 s
